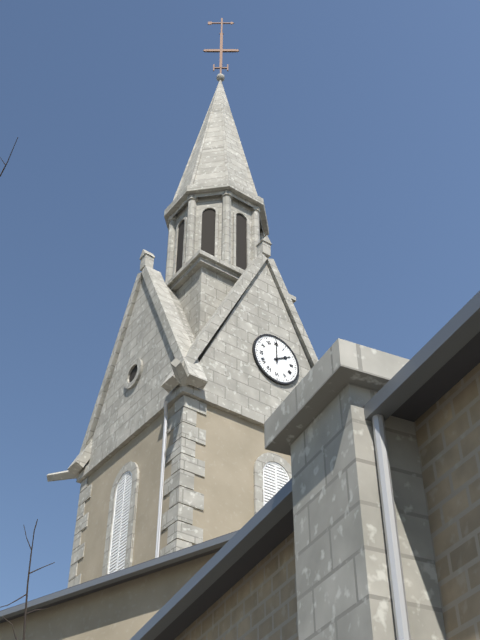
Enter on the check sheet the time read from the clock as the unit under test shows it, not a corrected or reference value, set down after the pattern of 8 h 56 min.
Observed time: 2 h 00 min
